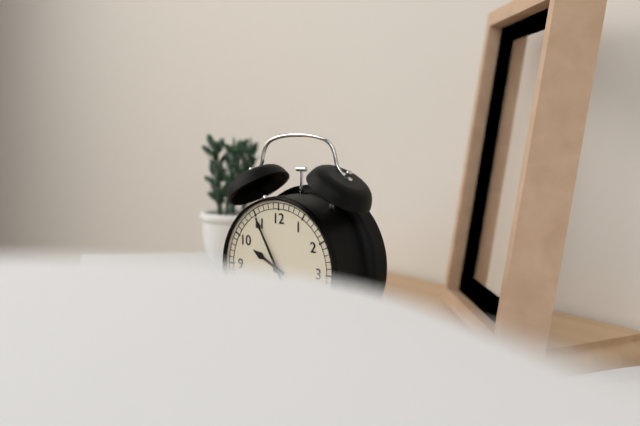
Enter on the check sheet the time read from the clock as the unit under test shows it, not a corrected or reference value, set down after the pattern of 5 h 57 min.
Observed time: 9 h 55 min
